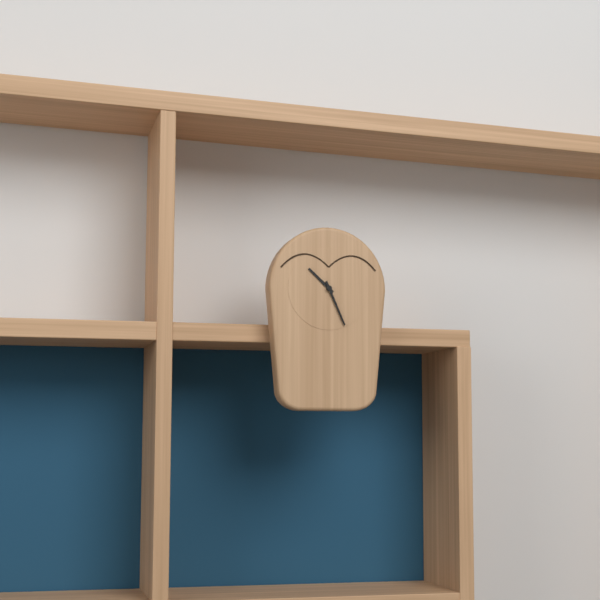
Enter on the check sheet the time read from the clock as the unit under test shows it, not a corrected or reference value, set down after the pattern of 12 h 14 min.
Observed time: 10 h 26 min
